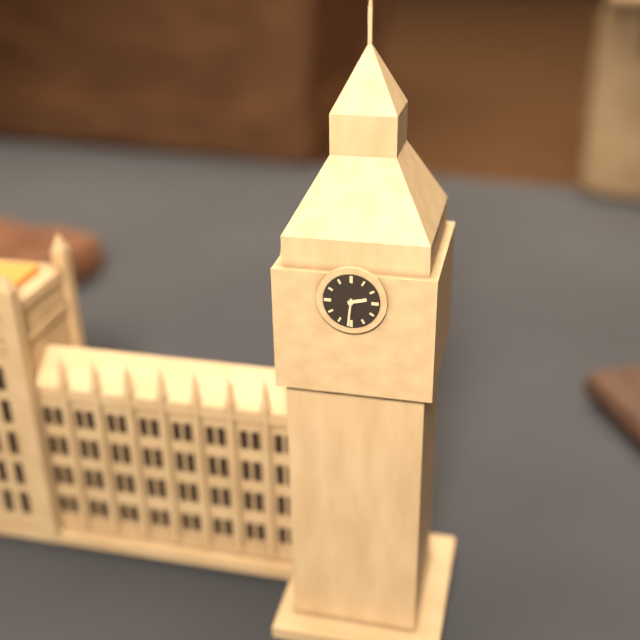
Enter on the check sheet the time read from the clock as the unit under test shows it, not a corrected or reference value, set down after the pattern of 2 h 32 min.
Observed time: 2 h 31 min
